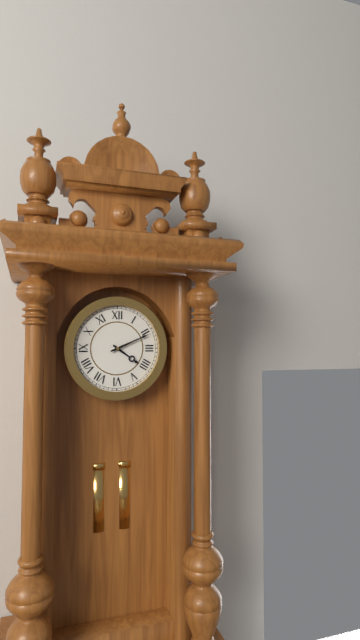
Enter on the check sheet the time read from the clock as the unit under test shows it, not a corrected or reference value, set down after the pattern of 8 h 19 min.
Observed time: 4 h 11 min
